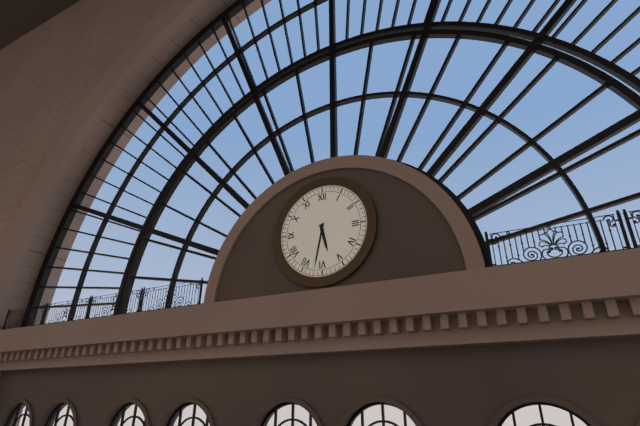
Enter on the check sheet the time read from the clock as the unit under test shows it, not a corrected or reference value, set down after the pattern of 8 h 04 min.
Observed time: 5 h 32 min
